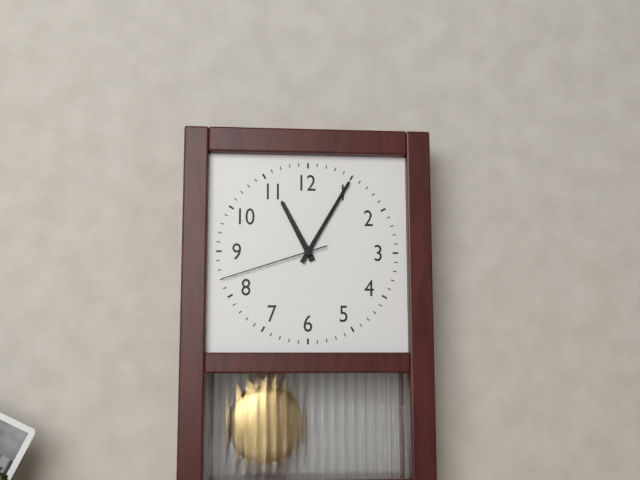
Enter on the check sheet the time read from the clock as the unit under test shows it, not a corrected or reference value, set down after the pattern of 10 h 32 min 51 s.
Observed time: 11 h 05 min 42 s
